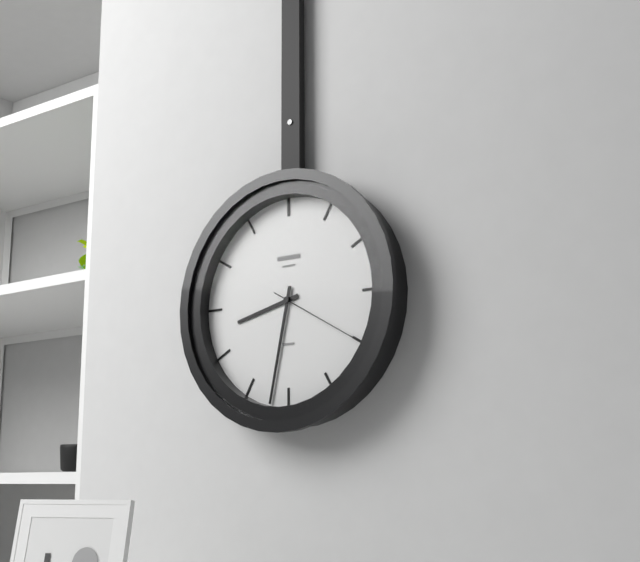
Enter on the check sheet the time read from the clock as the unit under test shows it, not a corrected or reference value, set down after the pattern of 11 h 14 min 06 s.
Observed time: 8 h 32 min 20 s
